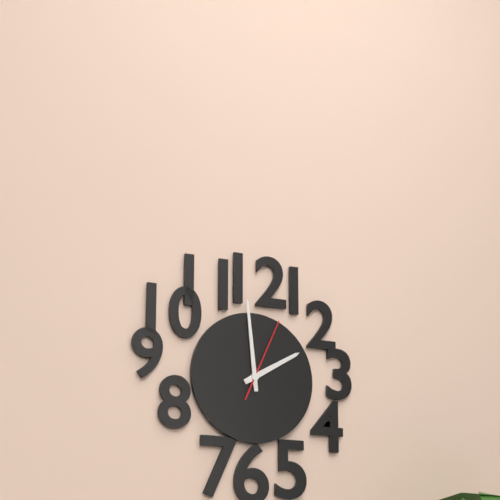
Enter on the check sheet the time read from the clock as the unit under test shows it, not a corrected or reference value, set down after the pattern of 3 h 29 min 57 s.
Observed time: 1 h 59 min 04 s
